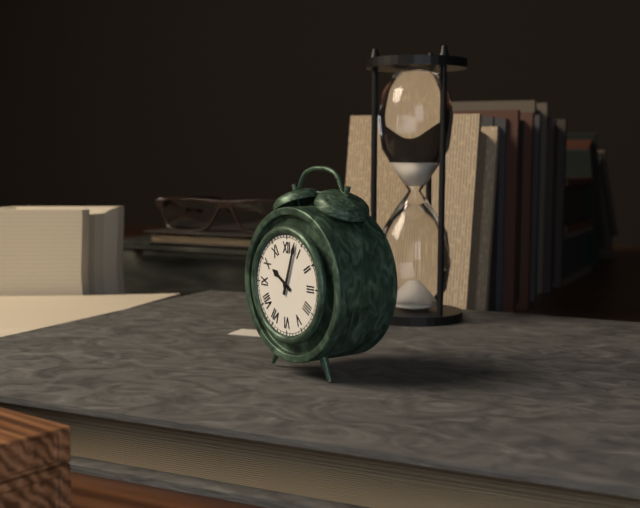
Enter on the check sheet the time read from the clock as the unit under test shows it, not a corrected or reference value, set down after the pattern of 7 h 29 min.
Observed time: 10 h 03 min
